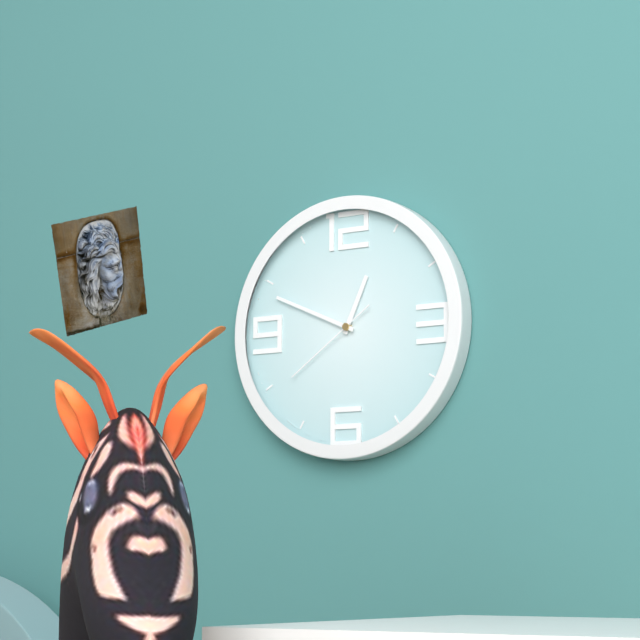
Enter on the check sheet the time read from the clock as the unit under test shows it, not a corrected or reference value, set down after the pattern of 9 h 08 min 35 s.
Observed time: 12 h 49 min 39 s
